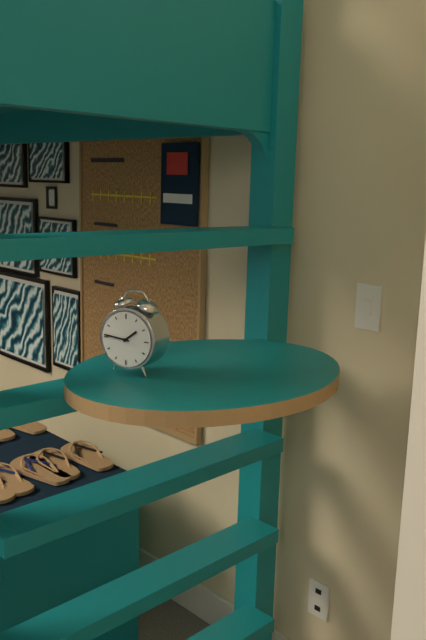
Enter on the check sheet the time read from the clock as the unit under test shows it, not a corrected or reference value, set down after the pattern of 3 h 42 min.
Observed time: 1 h 46 min
